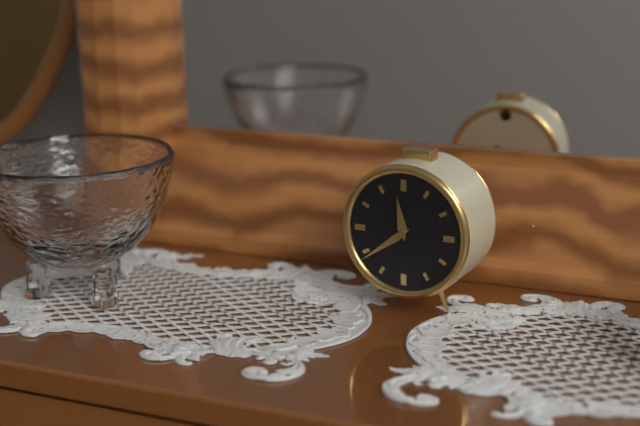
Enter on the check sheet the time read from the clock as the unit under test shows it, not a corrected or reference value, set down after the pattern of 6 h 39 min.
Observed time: 11 h 39 min
